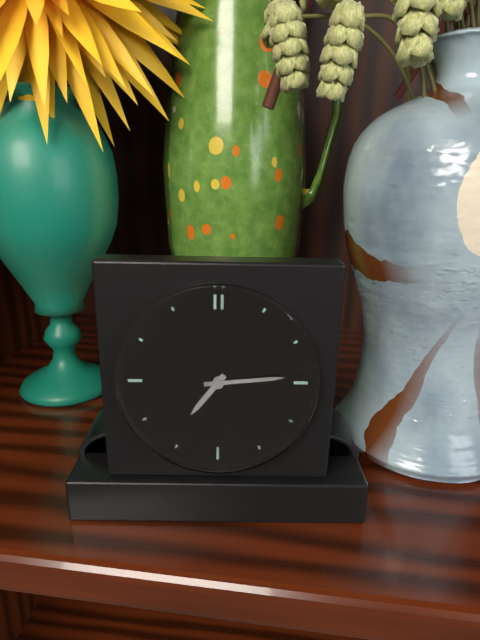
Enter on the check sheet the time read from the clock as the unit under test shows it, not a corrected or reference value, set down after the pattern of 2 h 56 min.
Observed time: 7 h 14 min
